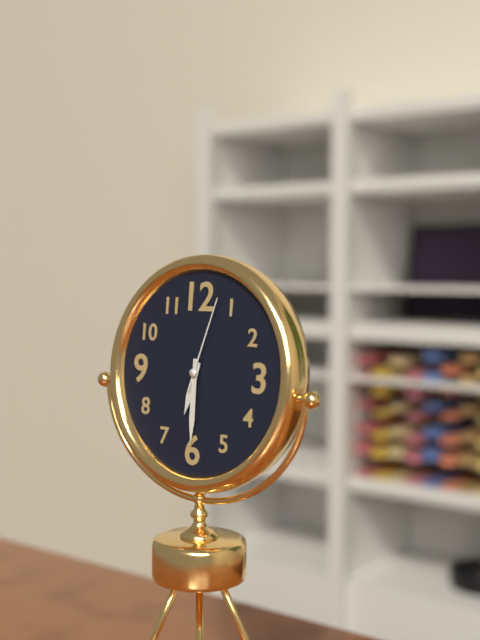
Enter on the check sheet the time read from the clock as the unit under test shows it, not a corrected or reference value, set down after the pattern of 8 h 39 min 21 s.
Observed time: 6 h 30 min 03 s
